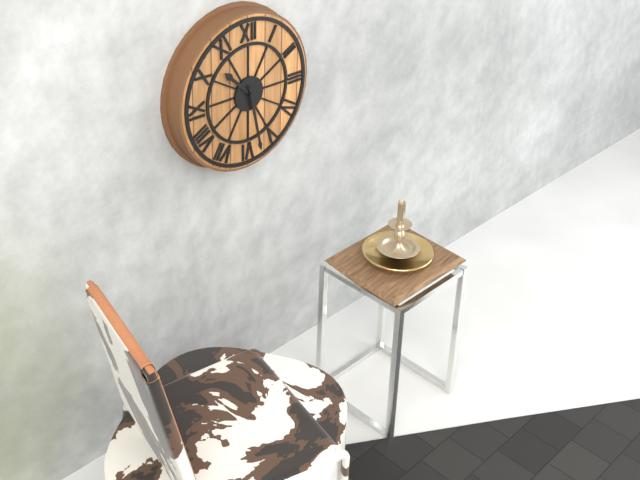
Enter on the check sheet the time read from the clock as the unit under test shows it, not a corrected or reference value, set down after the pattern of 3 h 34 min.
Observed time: 10 h 28 min
